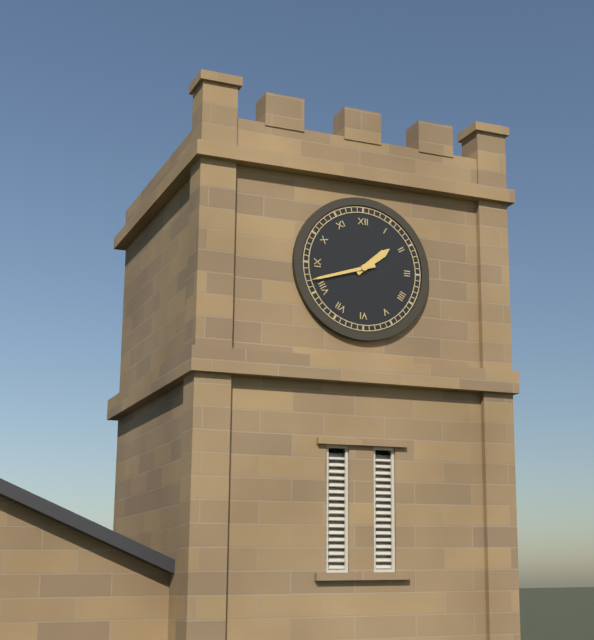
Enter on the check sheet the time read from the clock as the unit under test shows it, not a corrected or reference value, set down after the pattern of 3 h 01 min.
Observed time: 1 h 42 min
